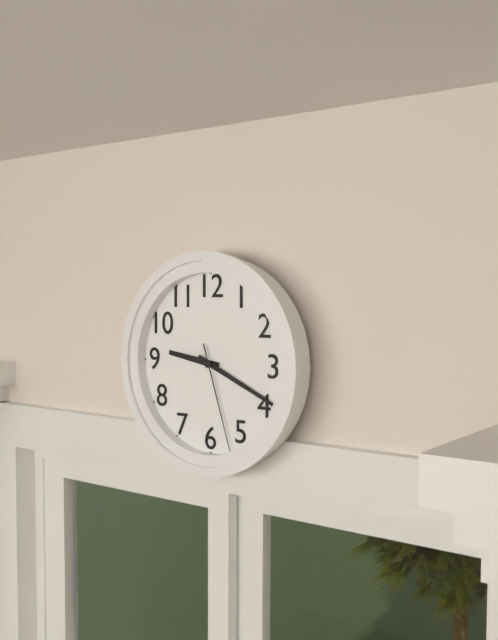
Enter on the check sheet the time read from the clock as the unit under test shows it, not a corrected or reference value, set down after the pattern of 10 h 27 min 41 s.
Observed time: 9 h 19 min 27 s
